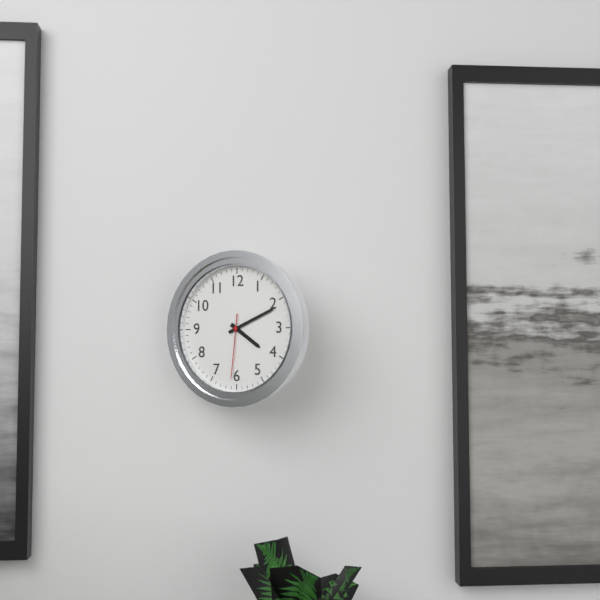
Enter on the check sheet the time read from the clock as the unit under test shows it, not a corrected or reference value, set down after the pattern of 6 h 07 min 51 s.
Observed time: 4 h 11 min 31 s
